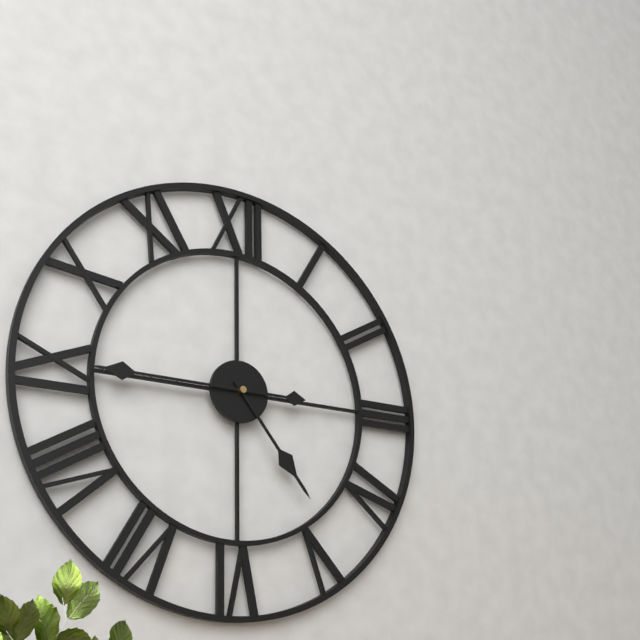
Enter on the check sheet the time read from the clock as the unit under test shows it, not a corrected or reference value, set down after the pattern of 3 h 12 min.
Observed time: 4 h 45 min
